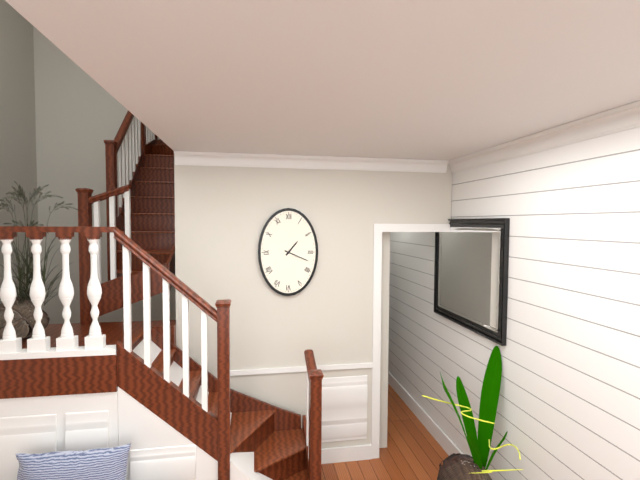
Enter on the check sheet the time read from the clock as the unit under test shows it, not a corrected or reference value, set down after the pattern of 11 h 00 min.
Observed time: 1 h 19 min
